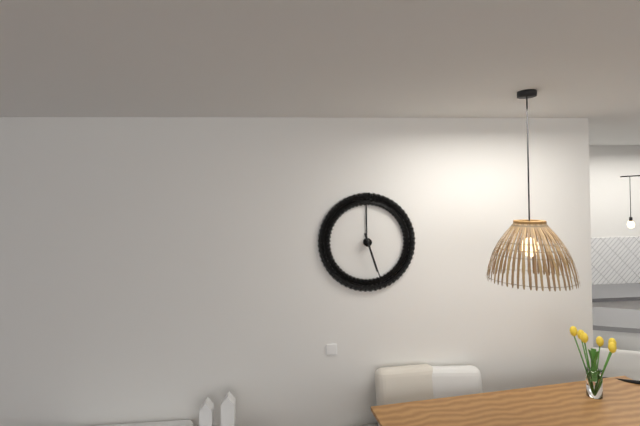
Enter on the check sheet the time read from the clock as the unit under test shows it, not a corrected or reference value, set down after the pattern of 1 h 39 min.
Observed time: 5 h 27 min
